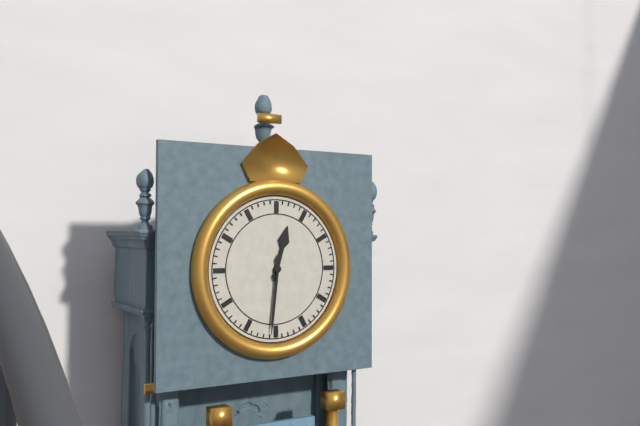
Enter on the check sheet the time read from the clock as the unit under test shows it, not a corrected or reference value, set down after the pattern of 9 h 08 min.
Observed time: 12 h 31 min
